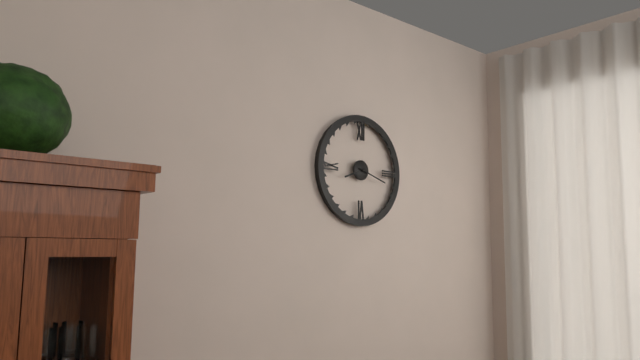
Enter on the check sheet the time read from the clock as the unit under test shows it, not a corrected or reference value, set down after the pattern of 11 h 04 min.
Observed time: 8 h 18 min
